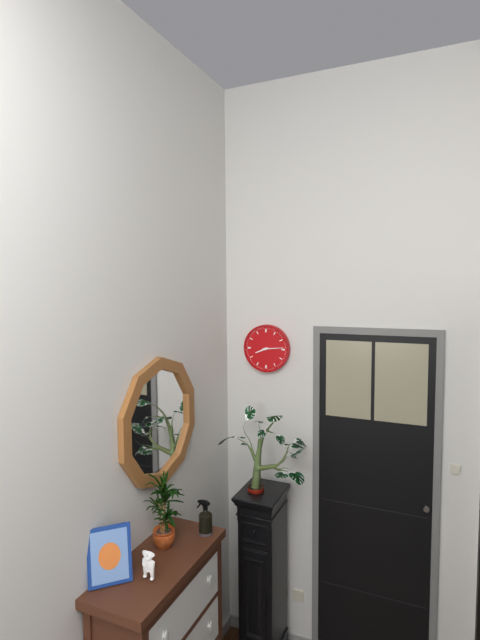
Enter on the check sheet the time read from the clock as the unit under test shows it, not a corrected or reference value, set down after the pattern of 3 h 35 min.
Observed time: 8 h 14 min
